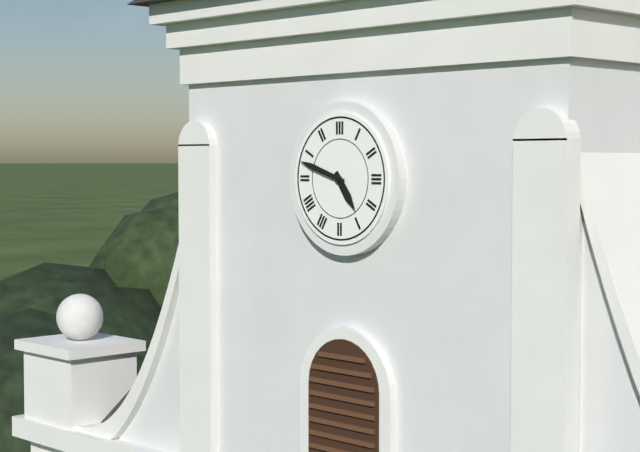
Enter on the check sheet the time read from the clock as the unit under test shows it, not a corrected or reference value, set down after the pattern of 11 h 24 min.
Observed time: 4 h 48 min
